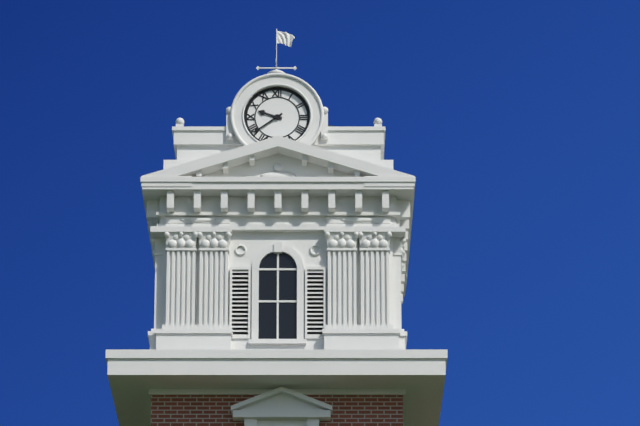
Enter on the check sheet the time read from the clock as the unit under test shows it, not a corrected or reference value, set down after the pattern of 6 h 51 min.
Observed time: 9 h 39 min
